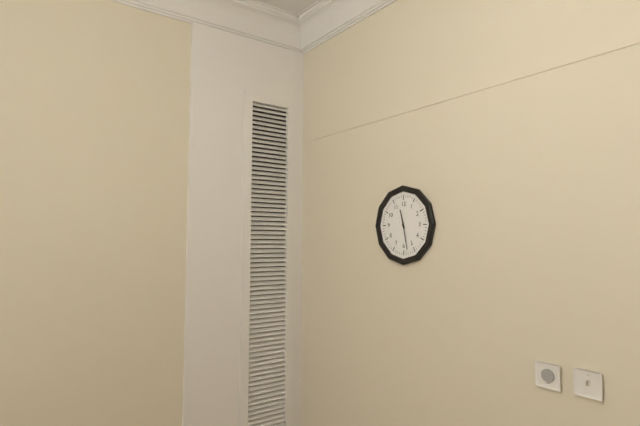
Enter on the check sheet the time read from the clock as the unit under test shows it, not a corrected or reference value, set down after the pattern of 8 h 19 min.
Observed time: 11 h 28 min
